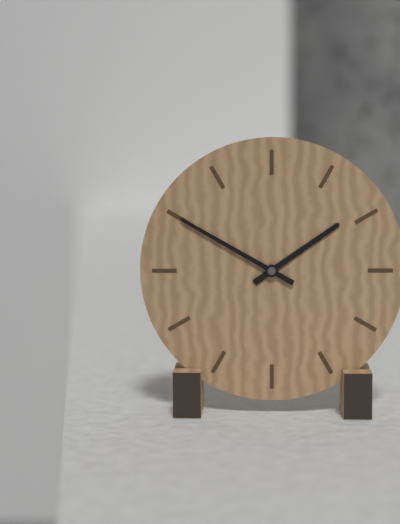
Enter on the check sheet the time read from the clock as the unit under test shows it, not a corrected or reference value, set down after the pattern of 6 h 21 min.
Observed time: 1 h 50 min
